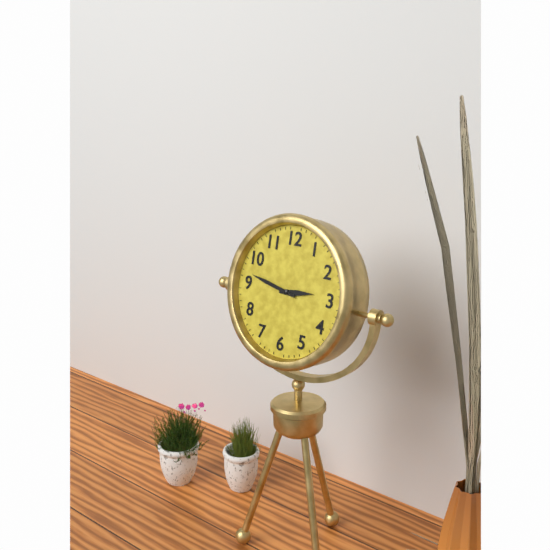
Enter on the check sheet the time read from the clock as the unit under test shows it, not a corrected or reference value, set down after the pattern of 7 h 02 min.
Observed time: 2 h 47 min
